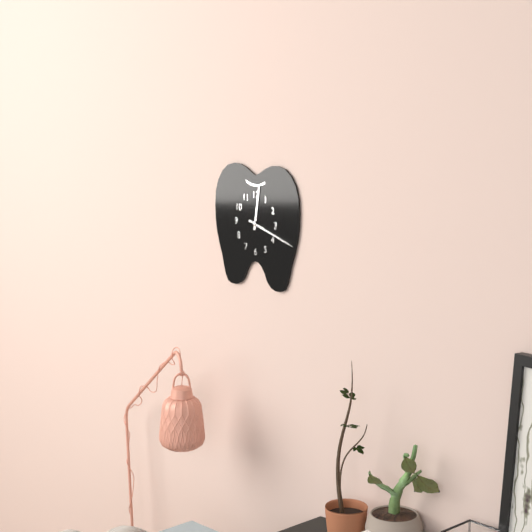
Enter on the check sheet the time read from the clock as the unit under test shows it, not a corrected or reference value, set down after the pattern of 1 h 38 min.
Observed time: 12 h 18 min
